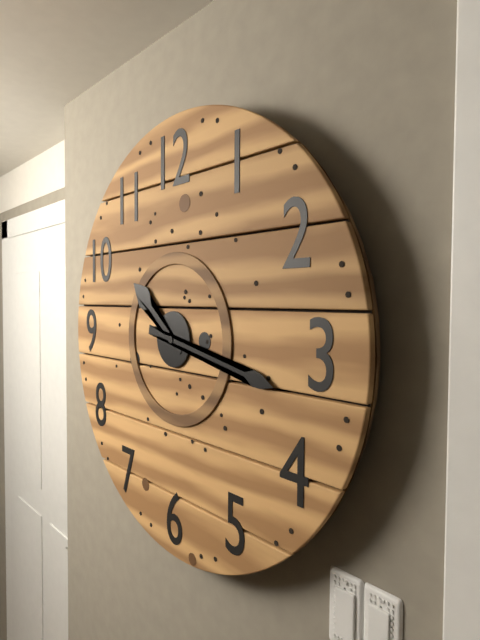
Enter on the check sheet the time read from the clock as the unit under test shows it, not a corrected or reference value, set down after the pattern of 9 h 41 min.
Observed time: 10 h 17 min
